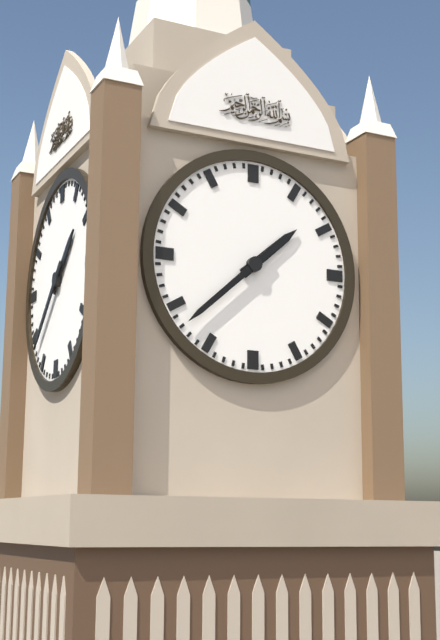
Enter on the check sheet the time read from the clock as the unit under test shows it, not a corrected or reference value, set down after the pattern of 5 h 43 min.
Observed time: 1 h 38 min
